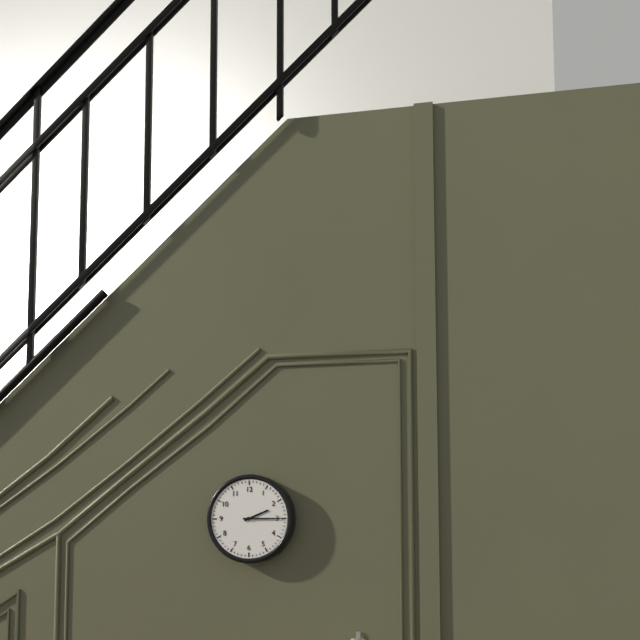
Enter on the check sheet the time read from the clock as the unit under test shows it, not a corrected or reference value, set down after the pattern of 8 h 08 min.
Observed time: 2 h 15 min
